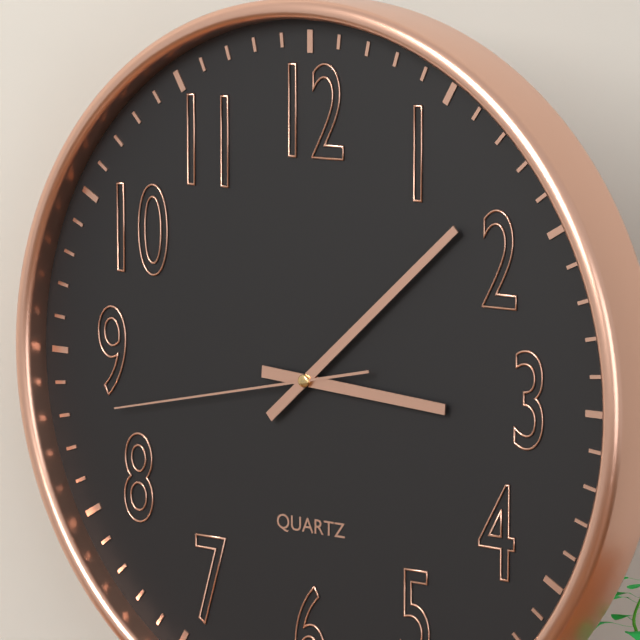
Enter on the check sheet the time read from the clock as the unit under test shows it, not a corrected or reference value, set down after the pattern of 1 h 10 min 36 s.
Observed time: 3 h 08 min 43 s
